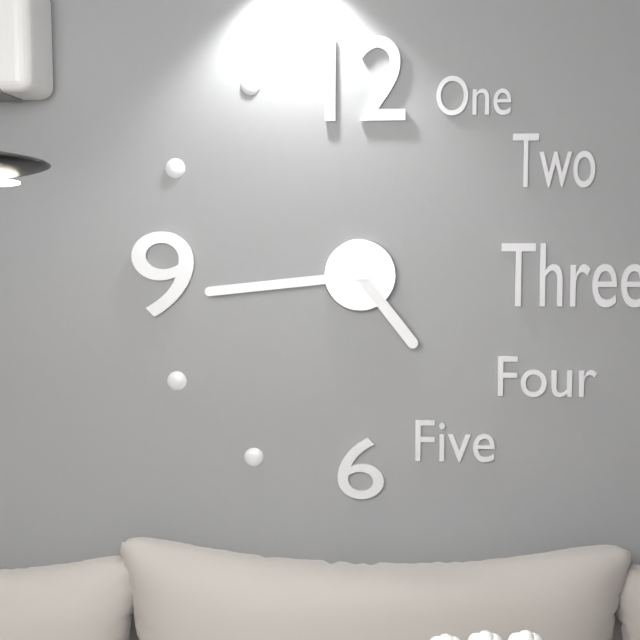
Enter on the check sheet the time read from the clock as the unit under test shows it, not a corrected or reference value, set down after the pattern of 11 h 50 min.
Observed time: 4 h 44 min
